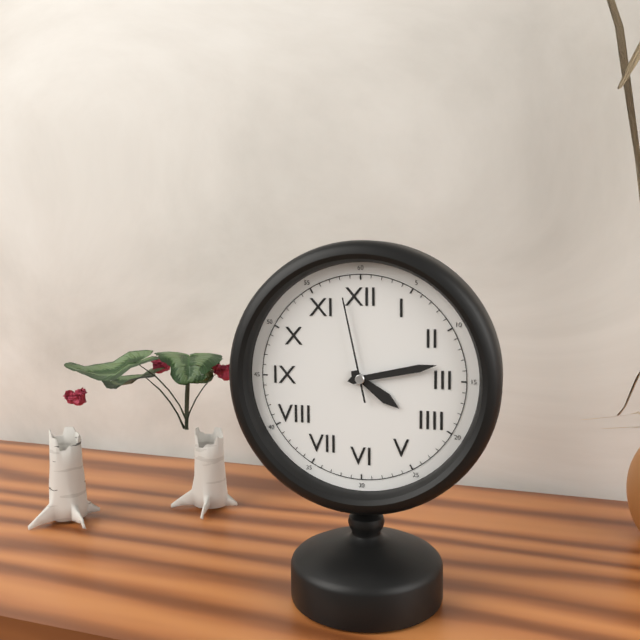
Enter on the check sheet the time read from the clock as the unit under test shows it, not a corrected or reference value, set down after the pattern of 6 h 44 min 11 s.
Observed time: 4 h 13 min 58 s
